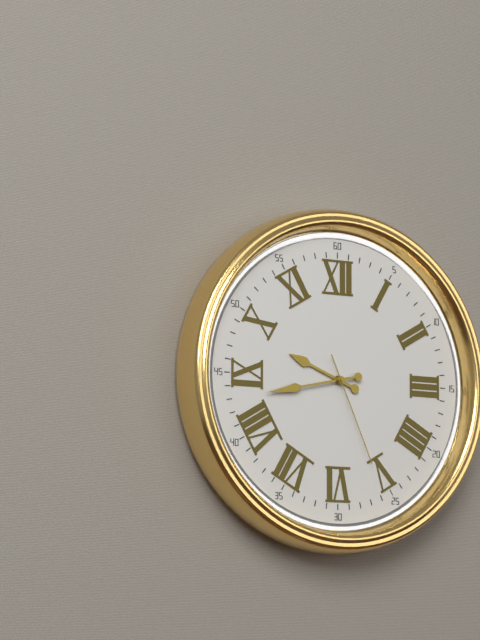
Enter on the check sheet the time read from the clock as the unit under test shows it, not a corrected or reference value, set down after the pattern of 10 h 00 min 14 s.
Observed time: 9 h 43 min 26 s
